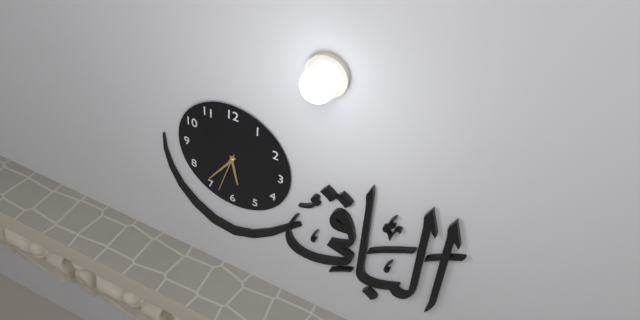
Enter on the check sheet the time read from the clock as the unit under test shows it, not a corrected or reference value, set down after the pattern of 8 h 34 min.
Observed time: 5 h 36 min
